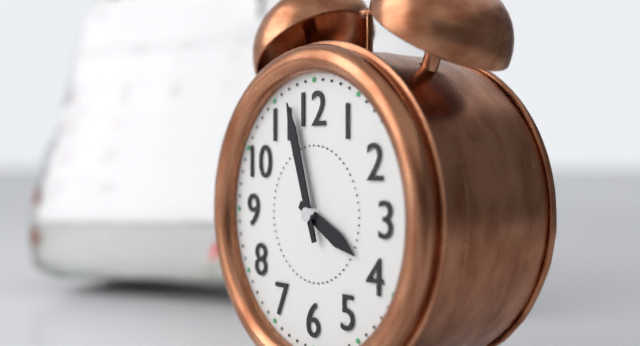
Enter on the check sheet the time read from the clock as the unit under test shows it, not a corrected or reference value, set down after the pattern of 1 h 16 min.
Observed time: 3 h 57 min
